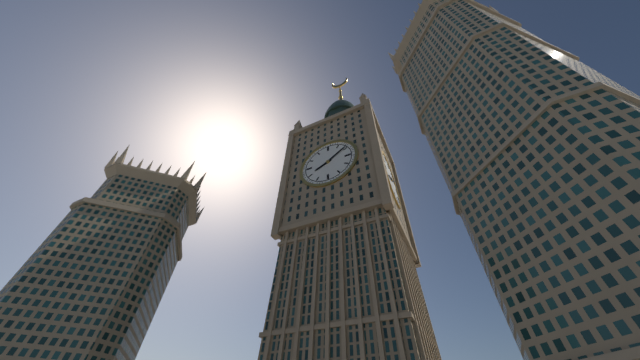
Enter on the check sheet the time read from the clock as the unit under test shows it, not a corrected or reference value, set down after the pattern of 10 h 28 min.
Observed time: 8 h 09 min
